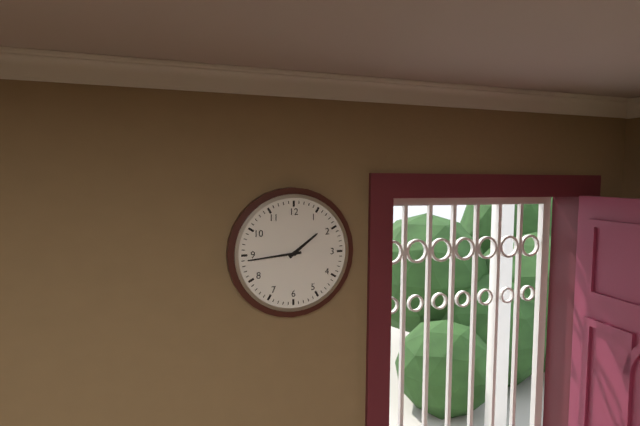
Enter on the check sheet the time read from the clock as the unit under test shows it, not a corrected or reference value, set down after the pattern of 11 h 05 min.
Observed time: 1 h 44 min
